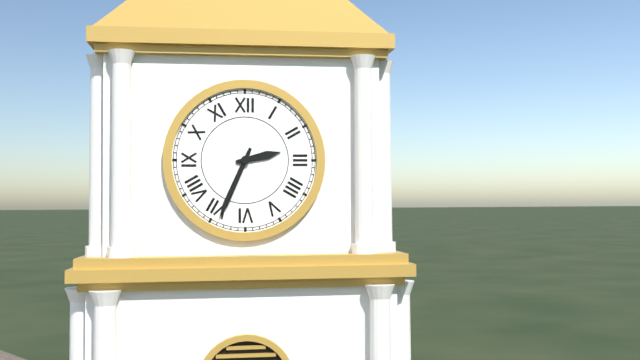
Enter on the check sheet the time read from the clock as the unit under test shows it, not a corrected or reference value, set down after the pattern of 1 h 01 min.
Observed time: 2 h 34 min
